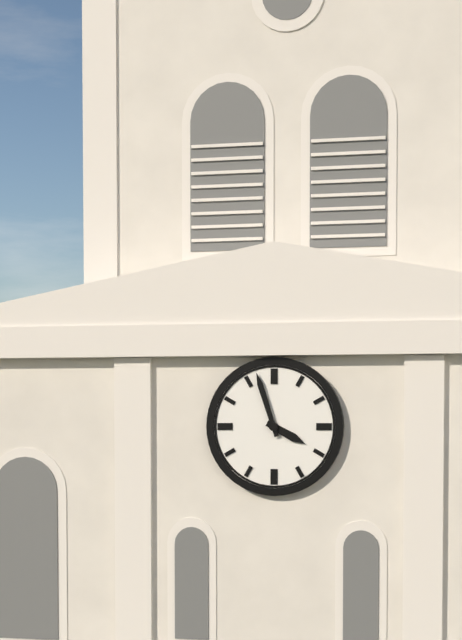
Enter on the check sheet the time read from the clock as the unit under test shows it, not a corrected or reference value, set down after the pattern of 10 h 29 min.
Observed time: 3 h 57 min
